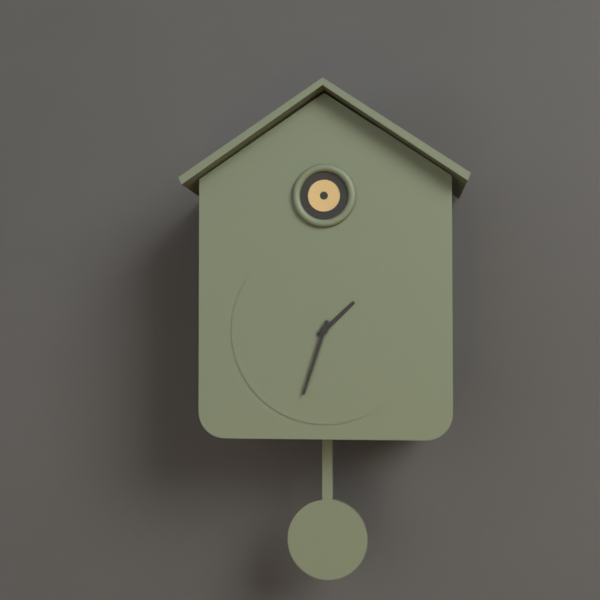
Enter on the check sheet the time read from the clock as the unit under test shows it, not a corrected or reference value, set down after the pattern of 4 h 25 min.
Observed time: 1 h 33 min
